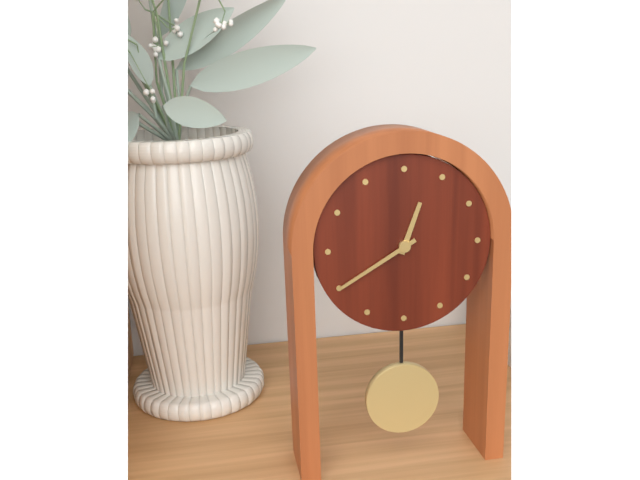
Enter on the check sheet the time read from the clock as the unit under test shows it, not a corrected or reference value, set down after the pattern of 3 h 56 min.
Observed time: 12 h 40 min
